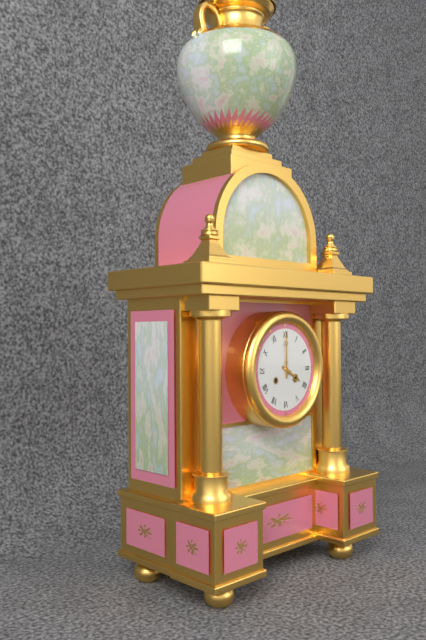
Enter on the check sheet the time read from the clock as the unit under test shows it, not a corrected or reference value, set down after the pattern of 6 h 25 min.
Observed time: 4 h 00 min
